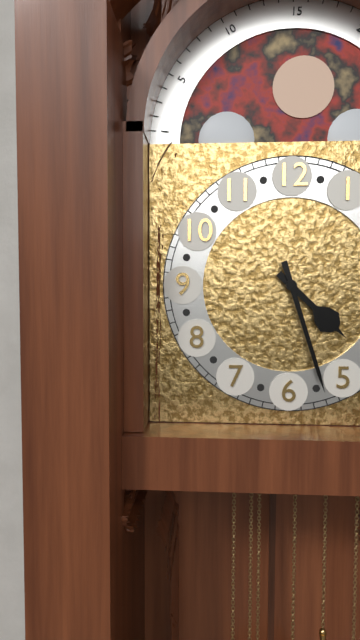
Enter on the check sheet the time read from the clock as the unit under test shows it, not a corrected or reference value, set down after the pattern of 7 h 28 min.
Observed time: 4 h 27 min
